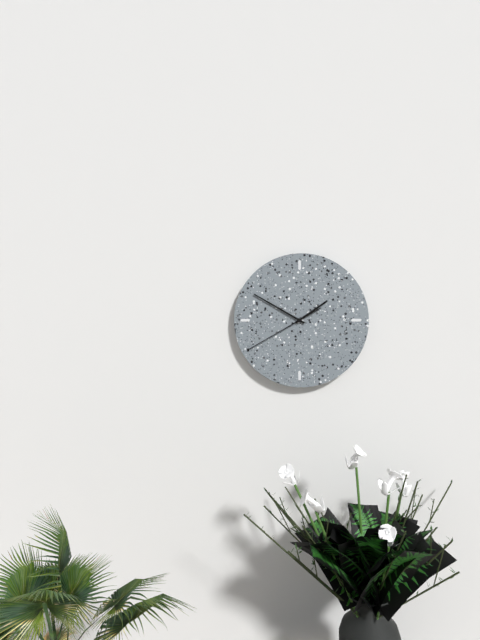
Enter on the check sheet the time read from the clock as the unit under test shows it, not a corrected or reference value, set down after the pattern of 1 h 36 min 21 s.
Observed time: 1 h 50 min 40 s
